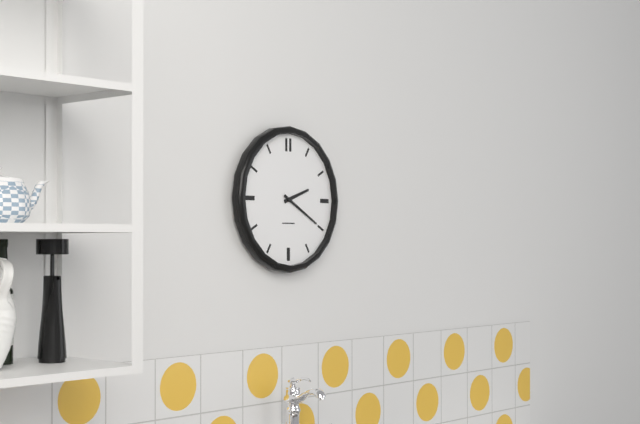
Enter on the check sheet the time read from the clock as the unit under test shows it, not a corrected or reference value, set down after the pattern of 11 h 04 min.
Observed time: 2 h 20 min
